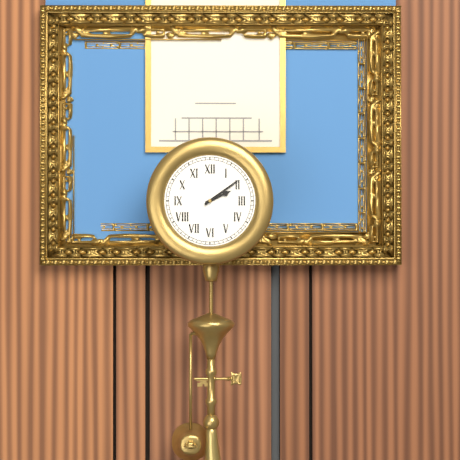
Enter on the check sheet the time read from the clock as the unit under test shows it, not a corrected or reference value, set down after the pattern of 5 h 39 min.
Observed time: 2 h 09 min
